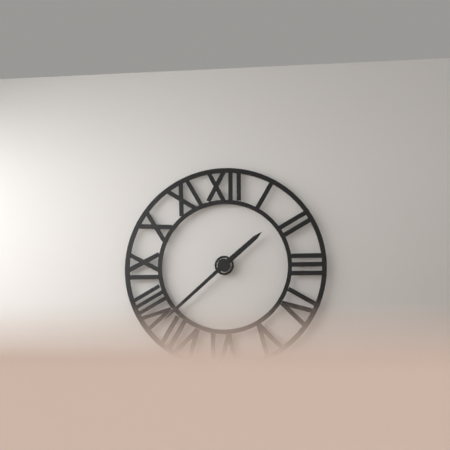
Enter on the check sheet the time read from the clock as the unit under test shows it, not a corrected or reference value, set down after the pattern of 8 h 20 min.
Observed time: 1 h 38 min
